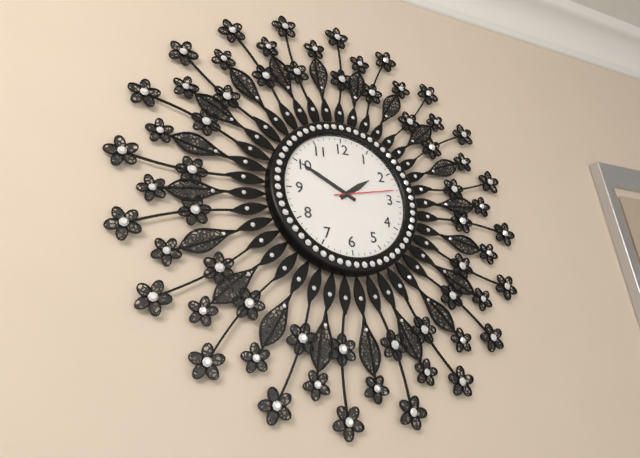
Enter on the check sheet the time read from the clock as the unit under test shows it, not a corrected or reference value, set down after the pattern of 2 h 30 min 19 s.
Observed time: 1 h 50 min 13 s
